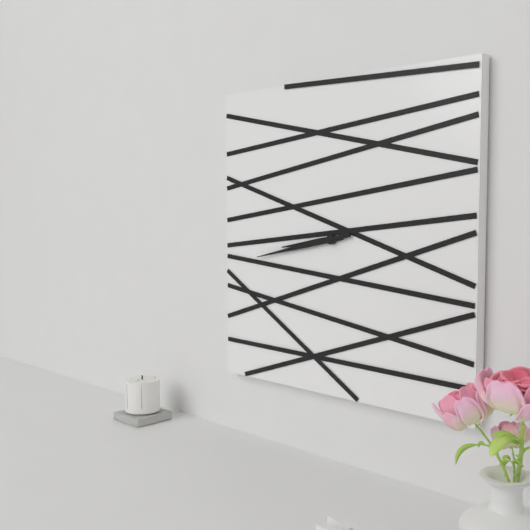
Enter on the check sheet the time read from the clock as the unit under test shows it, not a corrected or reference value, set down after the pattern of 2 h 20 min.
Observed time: 8 h 43 min
